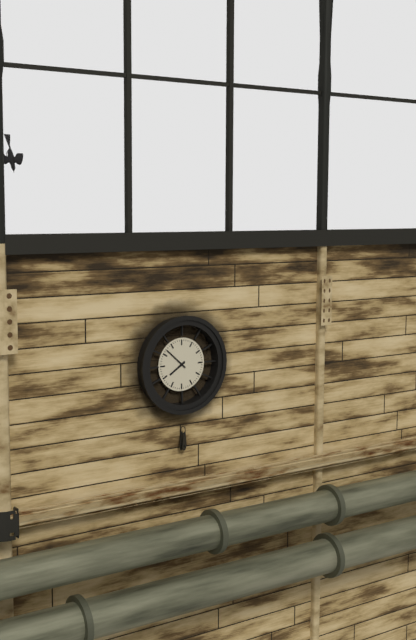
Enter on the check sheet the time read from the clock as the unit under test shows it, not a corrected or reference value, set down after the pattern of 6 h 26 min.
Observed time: 7 h 52 min
